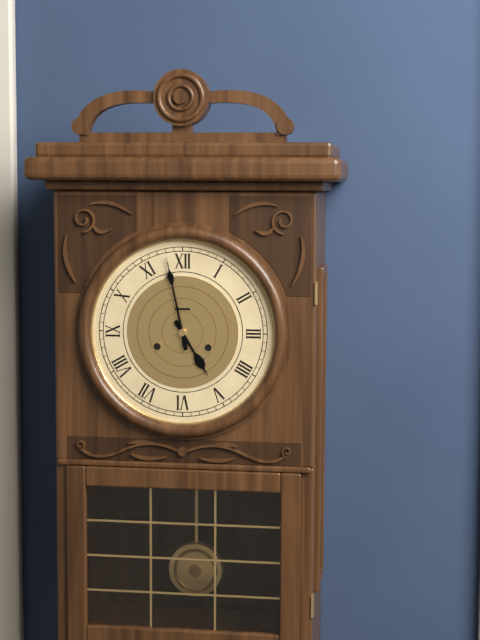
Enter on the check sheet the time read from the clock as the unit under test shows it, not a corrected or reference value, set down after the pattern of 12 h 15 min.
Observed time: 4 h 58 min
